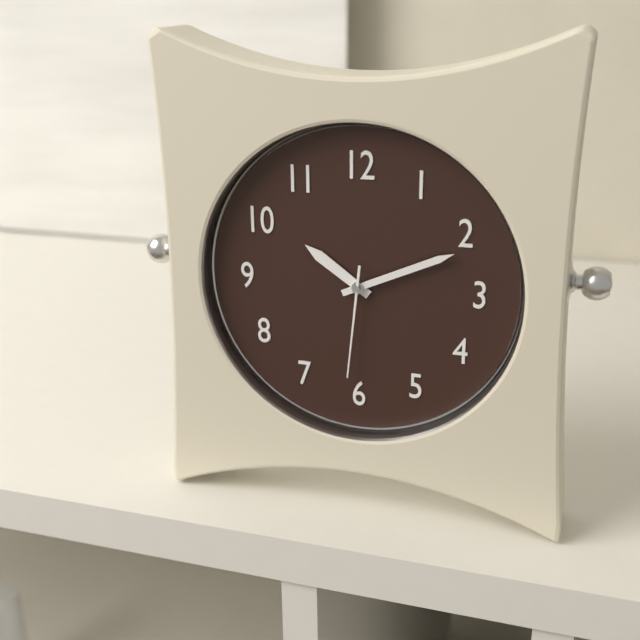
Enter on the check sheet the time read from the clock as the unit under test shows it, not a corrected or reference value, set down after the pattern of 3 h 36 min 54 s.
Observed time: 10 h 11 min 31 s
